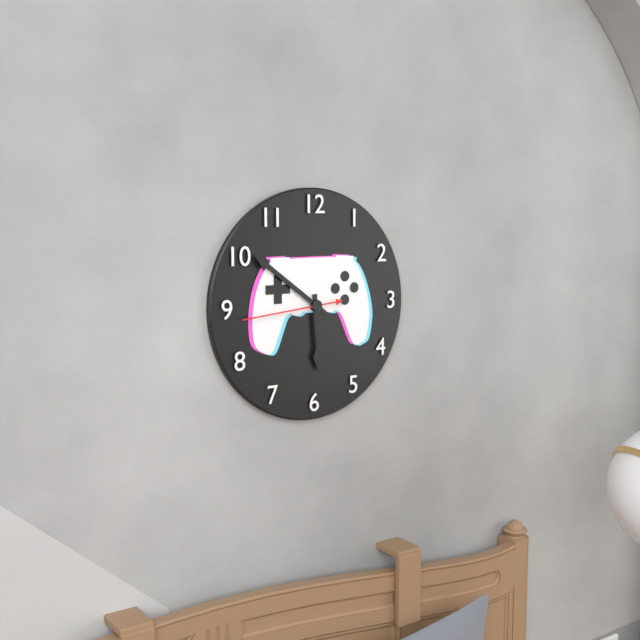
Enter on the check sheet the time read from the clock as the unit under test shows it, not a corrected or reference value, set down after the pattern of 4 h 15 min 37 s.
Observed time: 5 h 51 min 44 s
